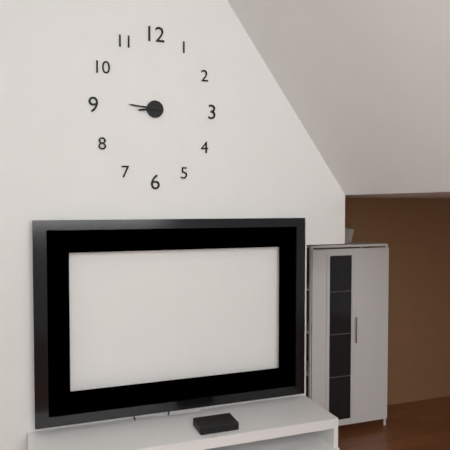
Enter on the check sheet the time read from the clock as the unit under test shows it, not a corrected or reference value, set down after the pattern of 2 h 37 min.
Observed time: 8 h 46 min
